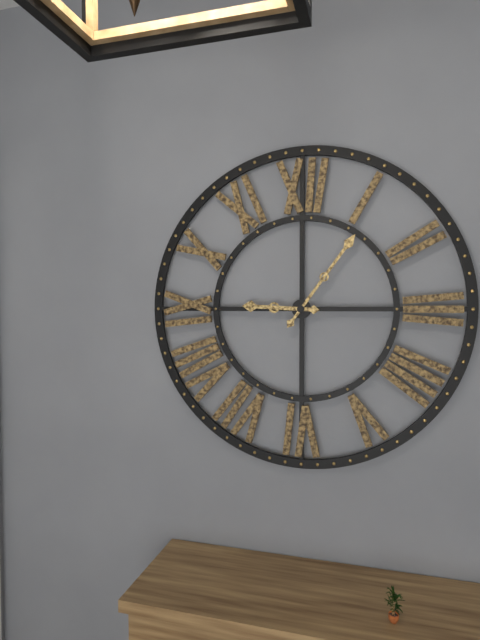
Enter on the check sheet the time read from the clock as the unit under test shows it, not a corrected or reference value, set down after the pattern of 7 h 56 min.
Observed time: 9 h 06 min
